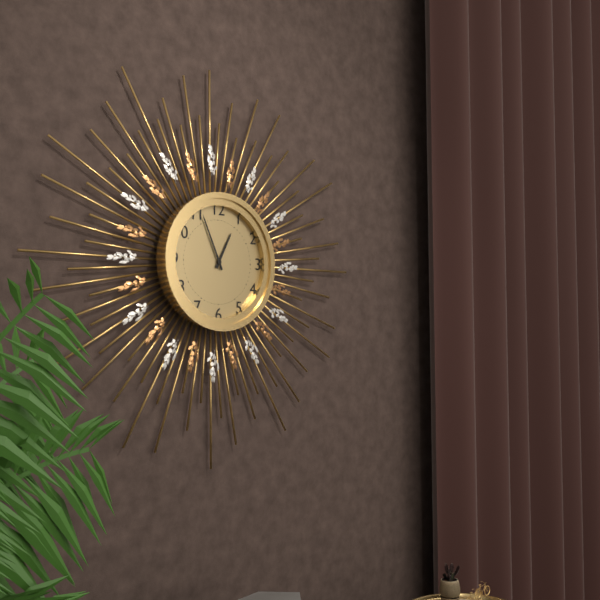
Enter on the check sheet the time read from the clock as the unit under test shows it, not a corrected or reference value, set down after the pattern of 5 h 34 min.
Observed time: 12 h 56 min
